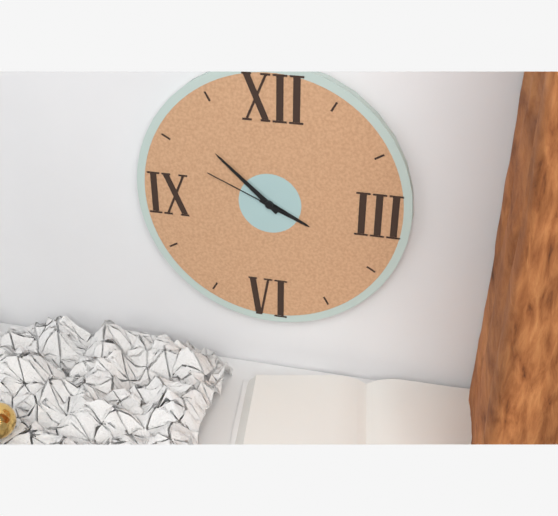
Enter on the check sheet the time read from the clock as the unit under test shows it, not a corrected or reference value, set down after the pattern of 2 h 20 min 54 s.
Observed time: 3 h 52 min 49 s
